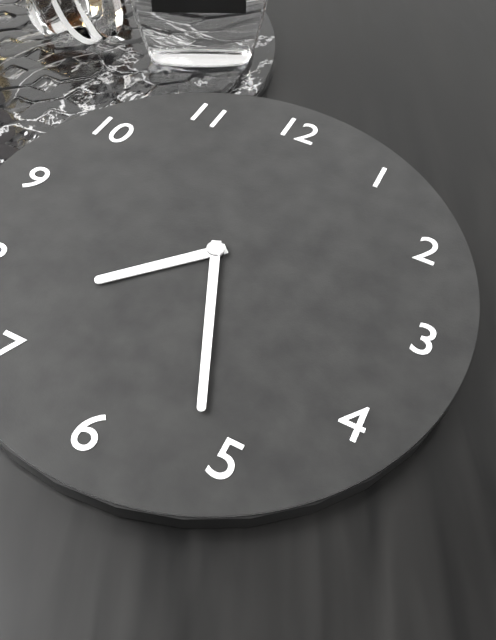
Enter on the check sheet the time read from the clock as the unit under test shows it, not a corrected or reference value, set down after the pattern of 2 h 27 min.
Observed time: 7 h 26 min
